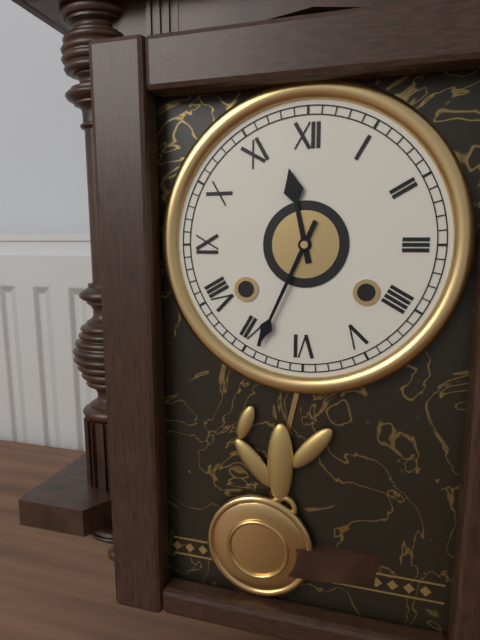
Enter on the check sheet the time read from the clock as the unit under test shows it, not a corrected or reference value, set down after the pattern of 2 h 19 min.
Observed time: 11 h 34 min
